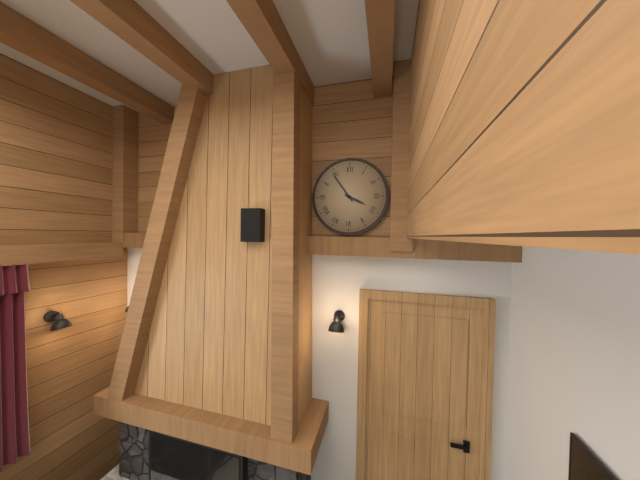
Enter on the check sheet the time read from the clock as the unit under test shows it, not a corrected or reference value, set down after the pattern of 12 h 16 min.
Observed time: 3 h 54 min
